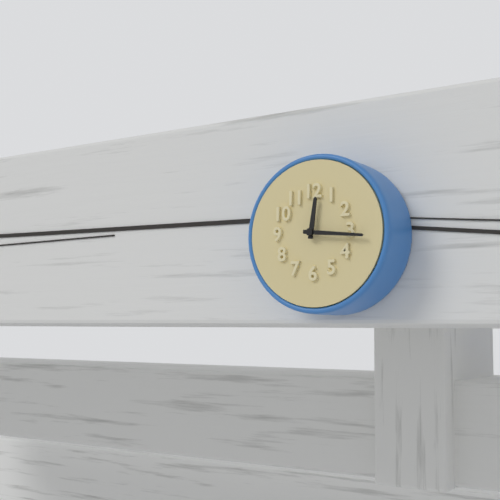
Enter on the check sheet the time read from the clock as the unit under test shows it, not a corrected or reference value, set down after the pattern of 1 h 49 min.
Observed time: 12 h 16 min
